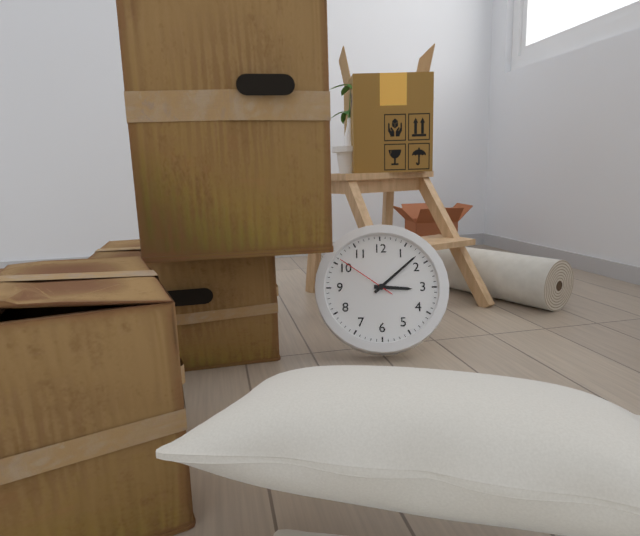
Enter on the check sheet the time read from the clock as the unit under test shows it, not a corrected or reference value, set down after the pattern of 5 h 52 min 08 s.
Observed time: 3 h 08 min 51 s
